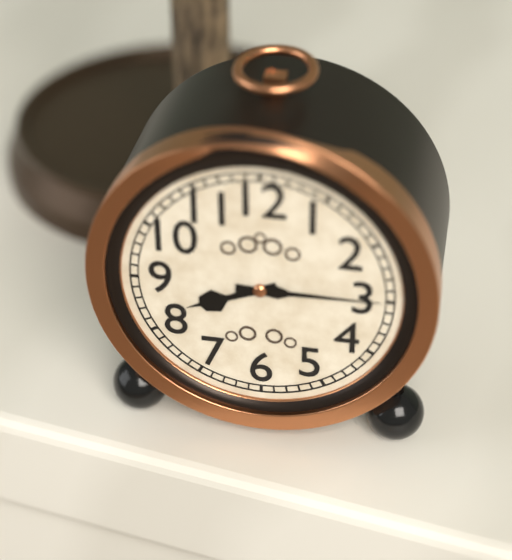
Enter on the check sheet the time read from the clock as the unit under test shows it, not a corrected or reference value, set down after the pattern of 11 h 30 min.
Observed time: 8 h 15 min
